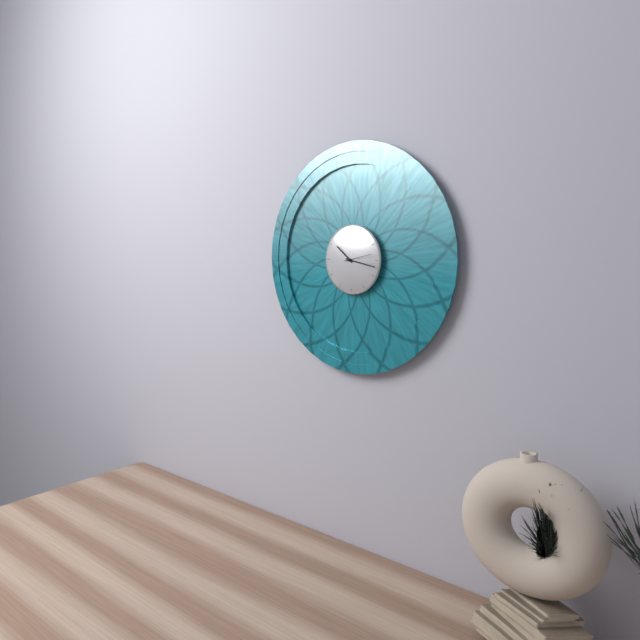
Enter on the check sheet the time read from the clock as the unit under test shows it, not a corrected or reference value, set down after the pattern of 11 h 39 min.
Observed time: 10 h 17 min
